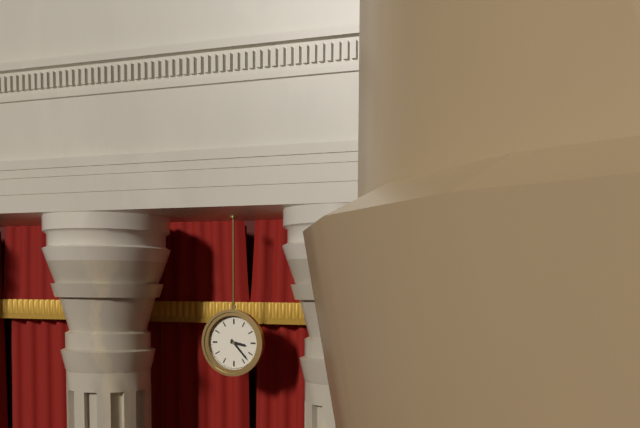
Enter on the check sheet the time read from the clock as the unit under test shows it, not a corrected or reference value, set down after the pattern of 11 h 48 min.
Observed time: 3 h 23 min
